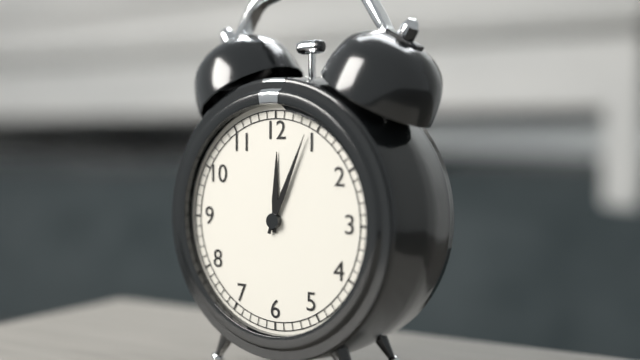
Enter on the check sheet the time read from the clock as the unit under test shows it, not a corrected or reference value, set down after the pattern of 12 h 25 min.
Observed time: 12 h 04 min
